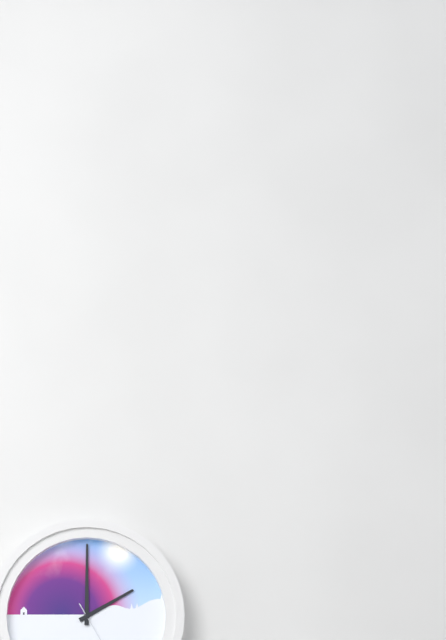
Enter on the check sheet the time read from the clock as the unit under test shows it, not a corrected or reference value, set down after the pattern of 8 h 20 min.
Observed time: 2 h 00 min
